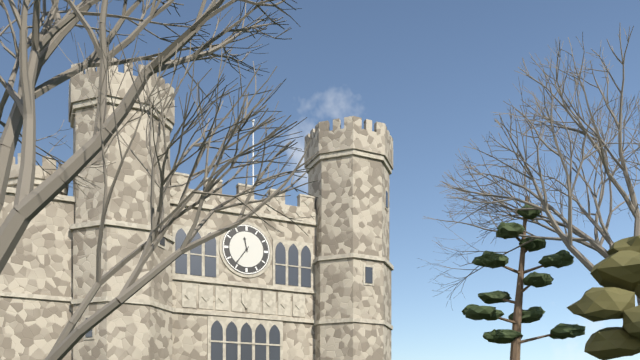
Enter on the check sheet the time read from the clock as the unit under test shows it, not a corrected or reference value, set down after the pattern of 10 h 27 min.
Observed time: 11 h 36 min
